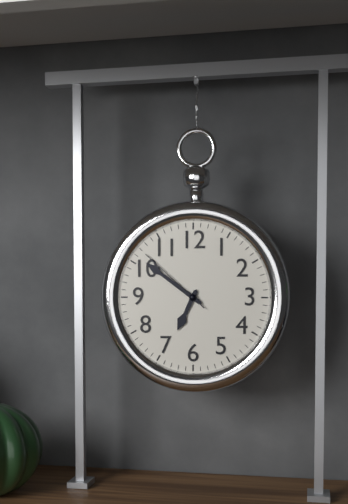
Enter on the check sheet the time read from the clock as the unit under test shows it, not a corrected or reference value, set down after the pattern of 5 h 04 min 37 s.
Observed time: 6 h 51 min 52 s
